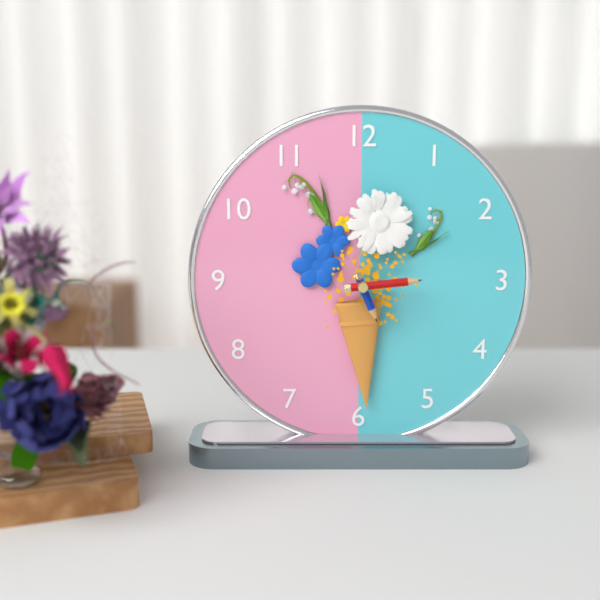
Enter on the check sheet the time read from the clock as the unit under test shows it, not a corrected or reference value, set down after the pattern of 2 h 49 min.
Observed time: 5 h 14 min
